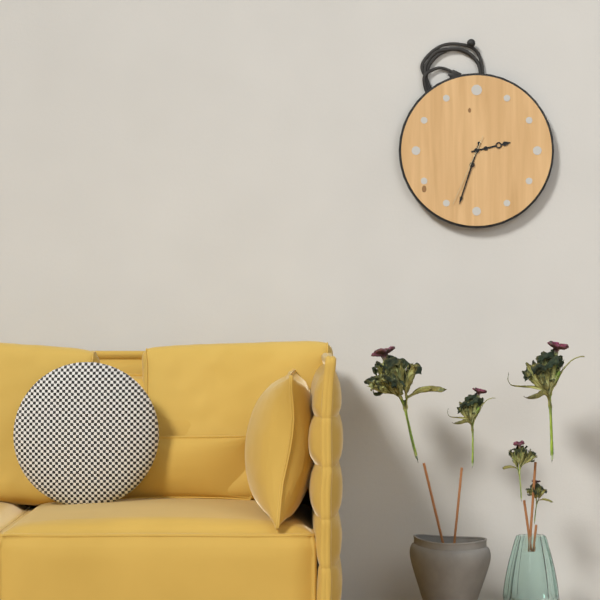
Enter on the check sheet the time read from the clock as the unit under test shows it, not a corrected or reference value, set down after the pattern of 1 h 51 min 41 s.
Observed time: 2 h 33 min 34 s
